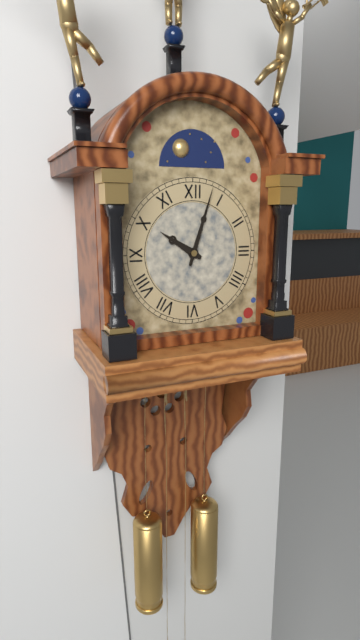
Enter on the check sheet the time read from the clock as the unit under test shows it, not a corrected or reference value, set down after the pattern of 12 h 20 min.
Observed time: 10 h 03 min
